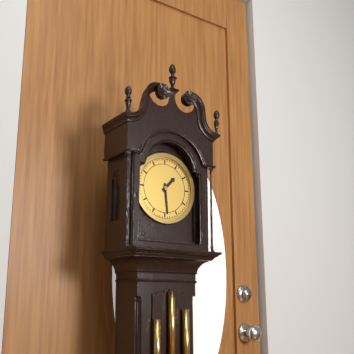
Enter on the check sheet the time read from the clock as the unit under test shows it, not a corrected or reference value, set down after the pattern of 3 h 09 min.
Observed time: 1 h 29 min
